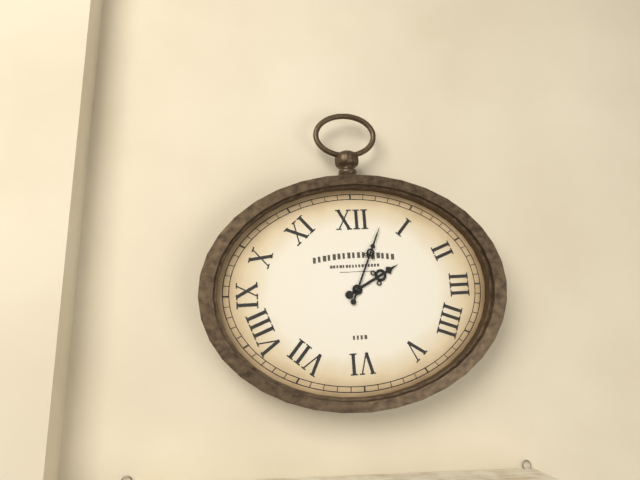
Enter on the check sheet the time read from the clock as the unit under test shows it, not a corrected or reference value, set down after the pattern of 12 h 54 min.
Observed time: 2 h 04 min
